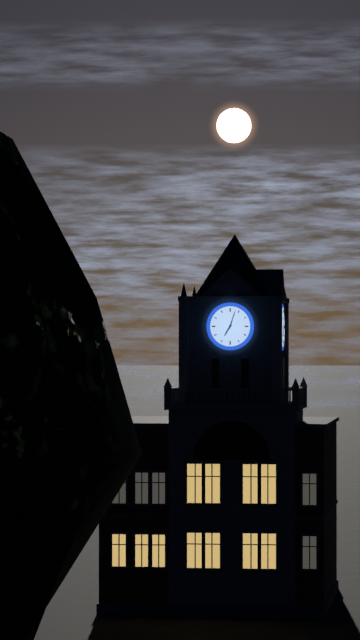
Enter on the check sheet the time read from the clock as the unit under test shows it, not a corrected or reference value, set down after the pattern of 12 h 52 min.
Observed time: 7 h 03 min
